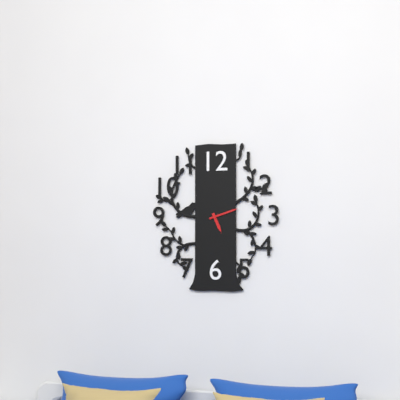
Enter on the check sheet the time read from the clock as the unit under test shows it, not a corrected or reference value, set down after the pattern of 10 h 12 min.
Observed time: 5 h 12 min
